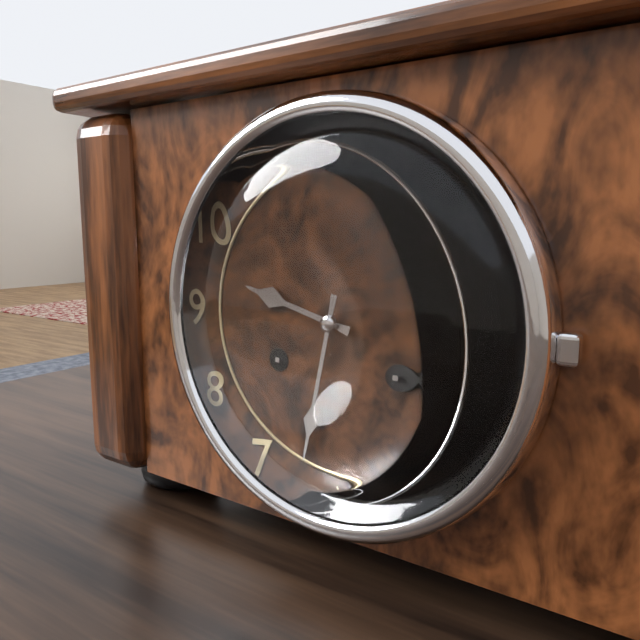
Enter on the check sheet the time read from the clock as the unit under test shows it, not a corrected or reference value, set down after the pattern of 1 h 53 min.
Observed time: 9 h 32 min
